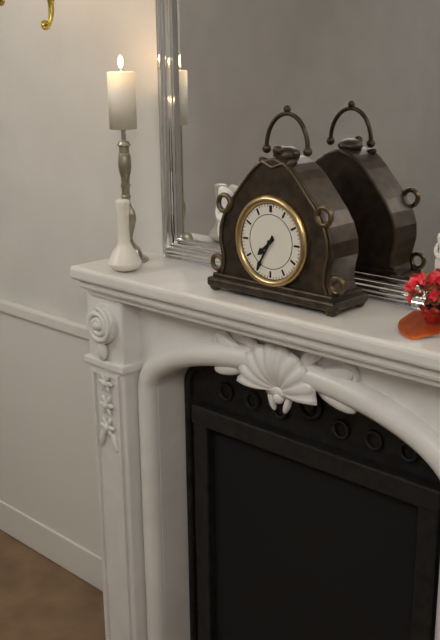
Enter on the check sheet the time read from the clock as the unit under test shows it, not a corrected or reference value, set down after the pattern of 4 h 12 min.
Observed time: 7 h 35 min
